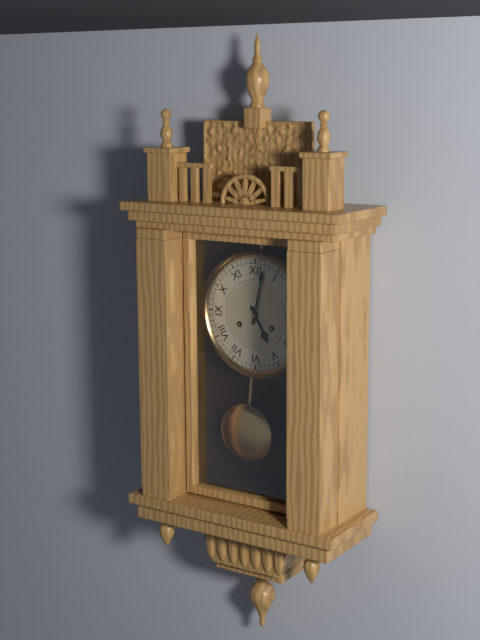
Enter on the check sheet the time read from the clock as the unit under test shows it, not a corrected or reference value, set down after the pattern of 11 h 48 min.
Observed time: 5 h 02 min
